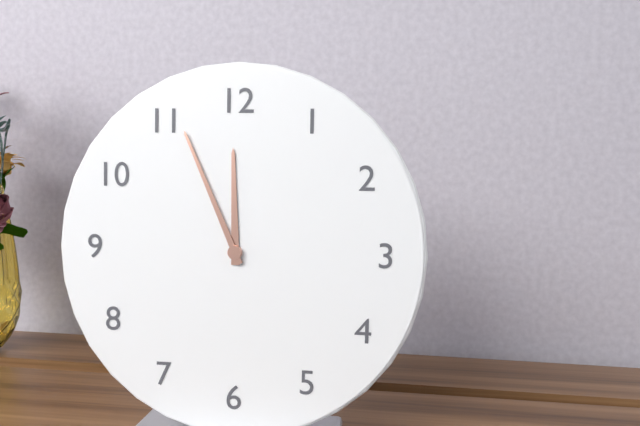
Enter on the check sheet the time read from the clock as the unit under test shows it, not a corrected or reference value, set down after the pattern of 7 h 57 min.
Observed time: 11 h 56 min
